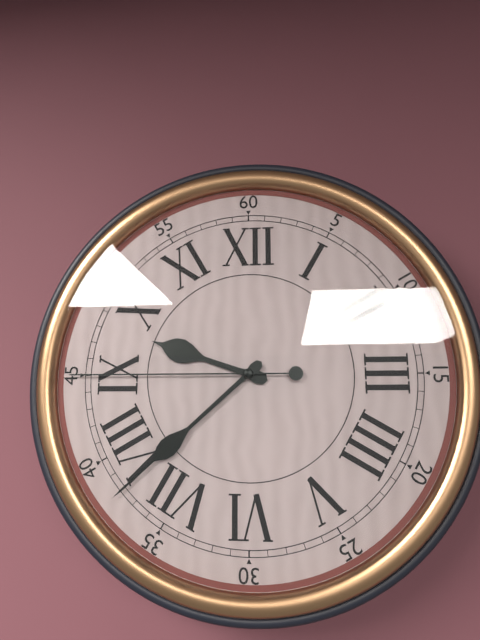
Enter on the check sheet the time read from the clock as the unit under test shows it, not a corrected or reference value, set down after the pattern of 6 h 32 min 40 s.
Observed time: 9 h 38 min 45 s
